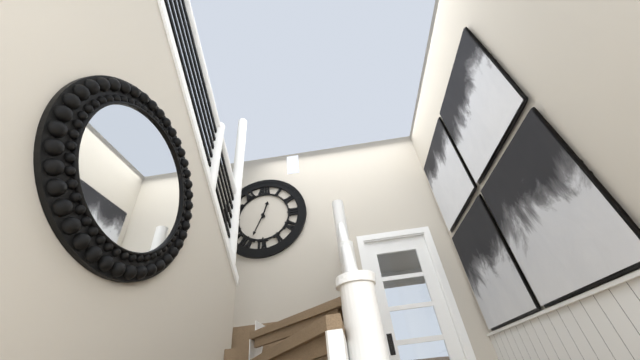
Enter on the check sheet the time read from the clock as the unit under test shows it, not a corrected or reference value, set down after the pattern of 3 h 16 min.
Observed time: 12 h 34 min
